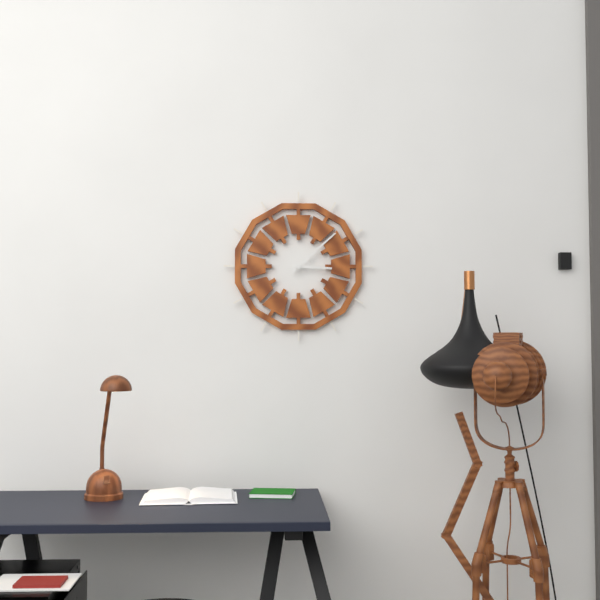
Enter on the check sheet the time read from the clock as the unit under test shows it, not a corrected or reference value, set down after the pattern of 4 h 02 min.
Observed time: 3 h 08 min
